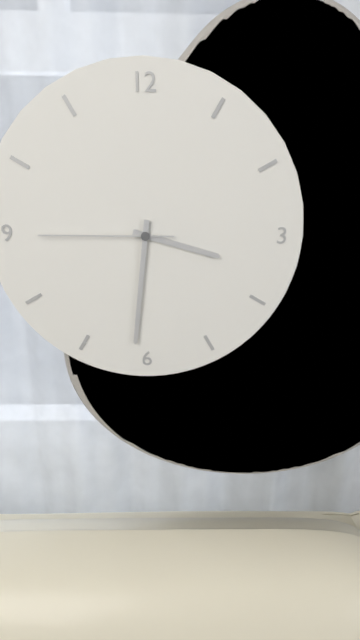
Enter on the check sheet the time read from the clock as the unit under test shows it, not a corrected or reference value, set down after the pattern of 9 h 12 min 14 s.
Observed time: 3 h 31 min 45 s
